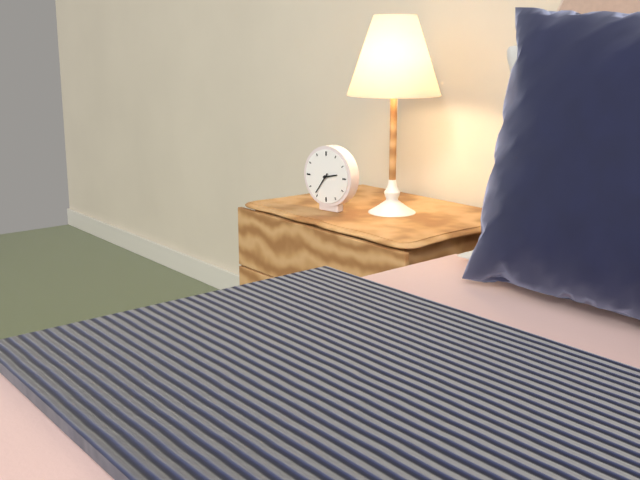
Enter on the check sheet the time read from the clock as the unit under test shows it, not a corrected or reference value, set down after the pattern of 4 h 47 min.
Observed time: 2 h 36 min
